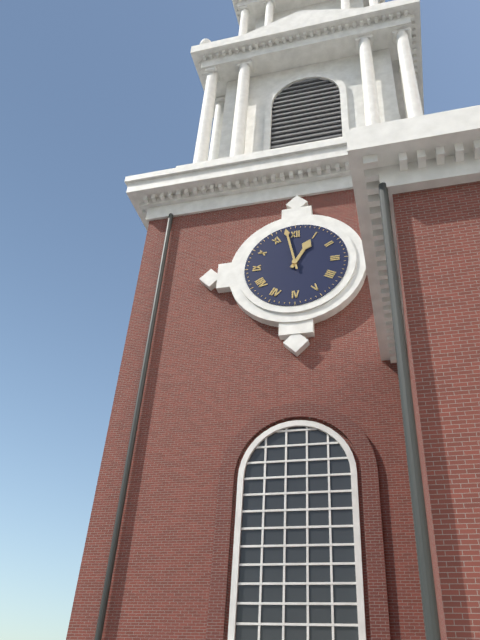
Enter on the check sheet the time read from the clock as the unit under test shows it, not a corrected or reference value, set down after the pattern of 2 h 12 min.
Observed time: 12 h 58 min
